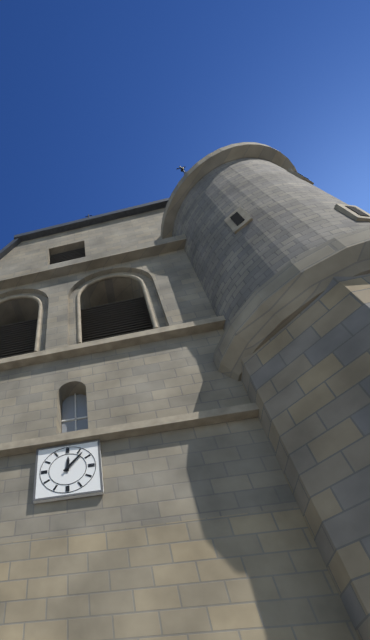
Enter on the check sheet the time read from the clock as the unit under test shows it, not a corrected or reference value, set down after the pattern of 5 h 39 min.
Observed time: 12 h 07 min
